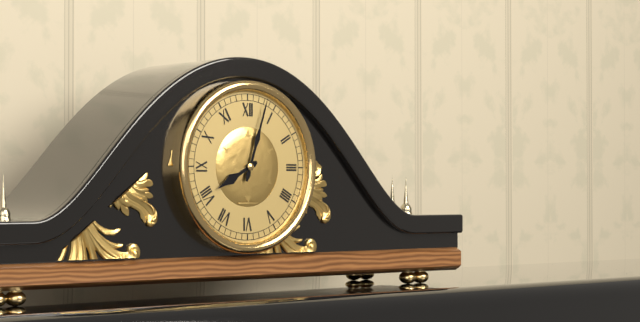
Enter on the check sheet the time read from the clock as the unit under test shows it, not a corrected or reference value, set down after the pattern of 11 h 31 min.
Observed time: 8 h 03 min
